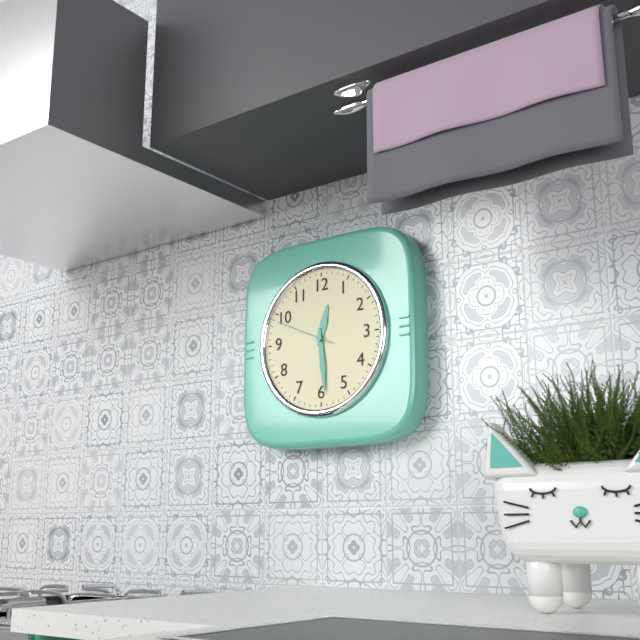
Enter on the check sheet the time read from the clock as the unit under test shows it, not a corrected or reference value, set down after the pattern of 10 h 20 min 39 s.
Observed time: 12 h 29 min 49 s
